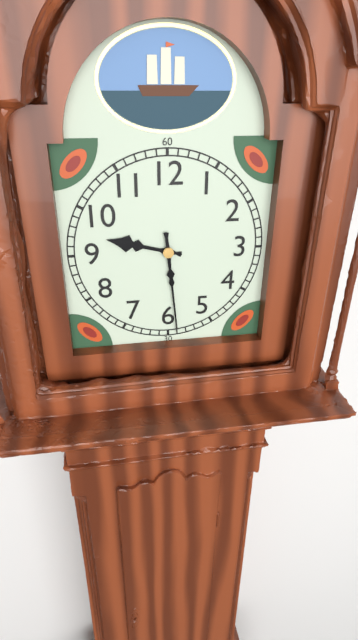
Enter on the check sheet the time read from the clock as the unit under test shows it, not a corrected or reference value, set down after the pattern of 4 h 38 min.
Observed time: 9 h 29 min
